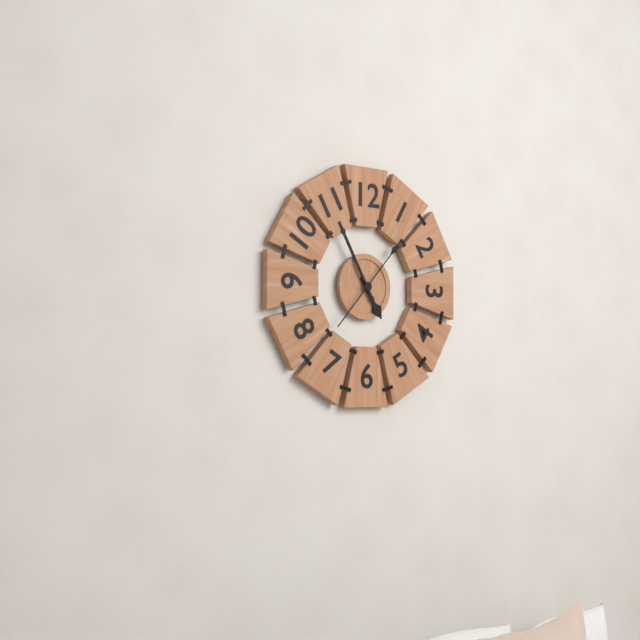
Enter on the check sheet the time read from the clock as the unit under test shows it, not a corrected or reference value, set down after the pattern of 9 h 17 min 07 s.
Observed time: 4 h 55 min 07 s
